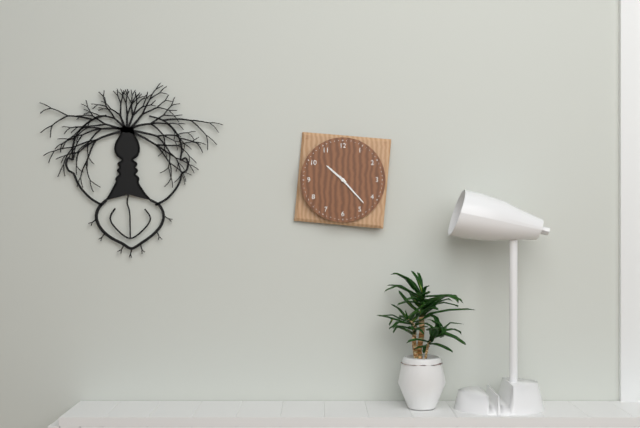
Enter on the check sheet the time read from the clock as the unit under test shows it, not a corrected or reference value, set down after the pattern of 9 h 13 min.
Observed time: 10 h 23 min
